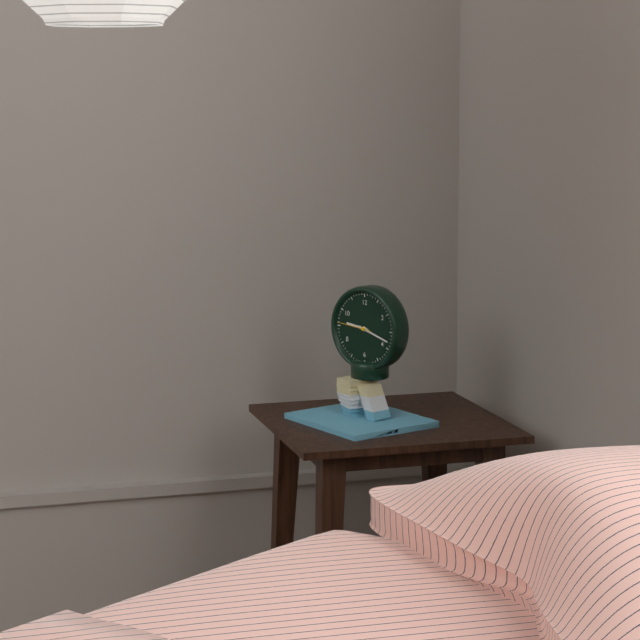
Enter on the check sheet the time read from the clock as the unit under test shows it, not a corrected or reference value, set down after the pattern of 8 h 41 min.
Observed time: 9 h 18 min
